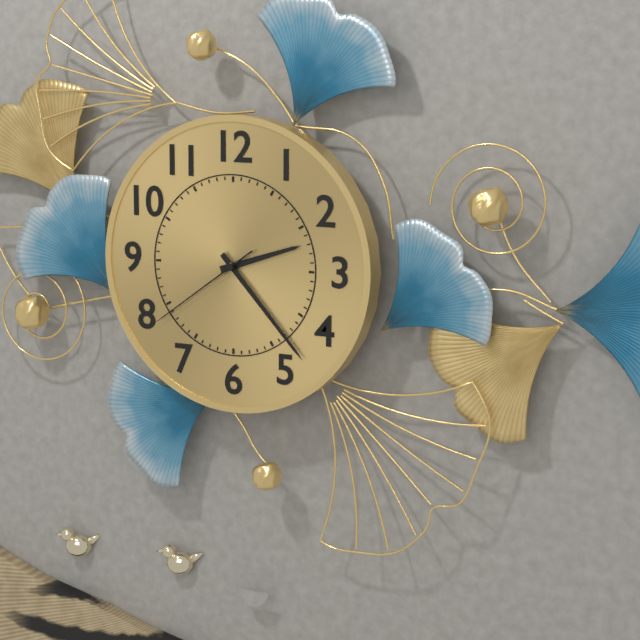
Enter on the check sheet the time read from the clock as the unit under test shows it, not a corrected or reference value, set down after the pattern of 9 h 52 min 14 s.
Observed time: 2 h 23 min 39 s
